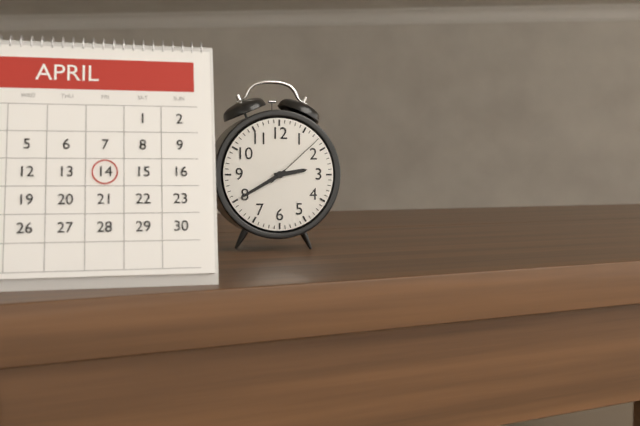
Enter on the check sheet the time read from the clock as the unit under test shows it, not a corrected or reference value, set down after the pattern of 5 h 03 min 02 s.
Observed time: 2 h 40 min 08 s
